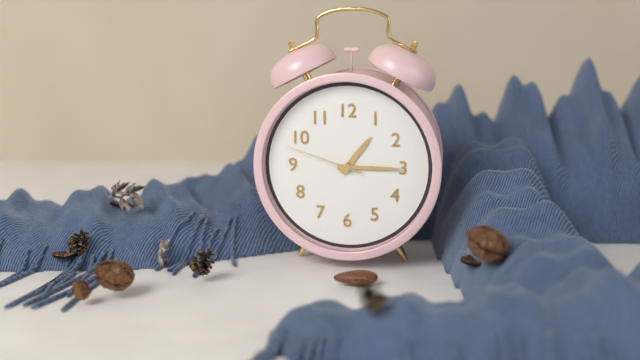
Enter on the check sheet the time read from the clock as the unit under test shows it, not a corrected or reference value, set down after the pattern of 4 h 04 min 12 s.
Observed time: 1 h 15 min 48 s
